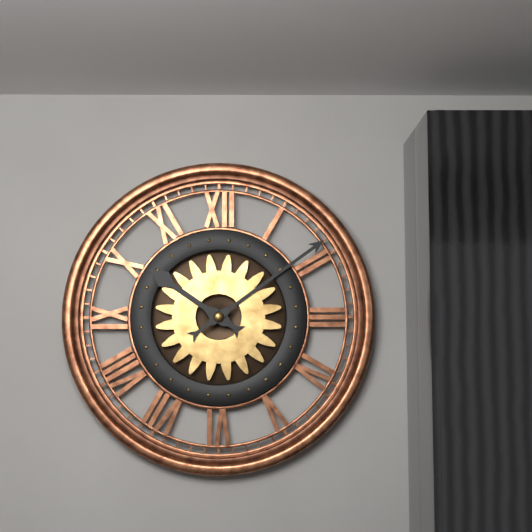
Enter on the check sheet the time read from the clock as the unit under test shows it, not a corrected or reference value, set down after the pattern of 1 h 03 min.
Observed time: 10 h 09 min
